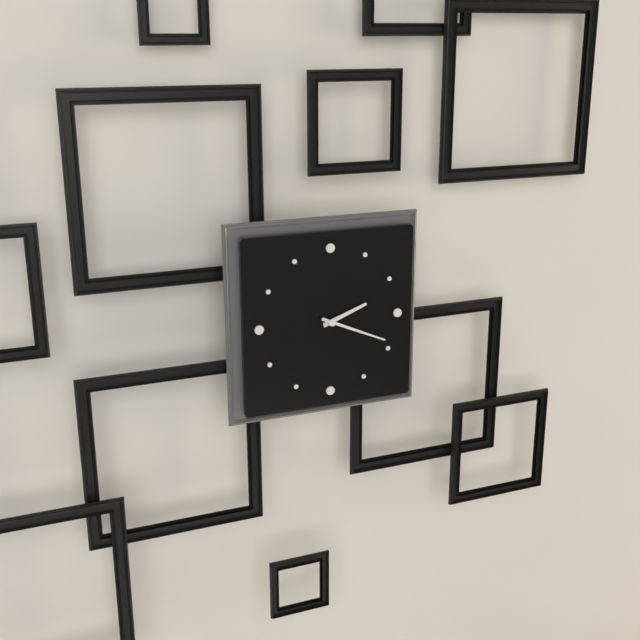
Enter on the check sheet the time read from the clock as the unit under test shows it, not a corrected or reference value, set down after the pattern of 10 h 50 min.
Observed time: 2 h 19 min
